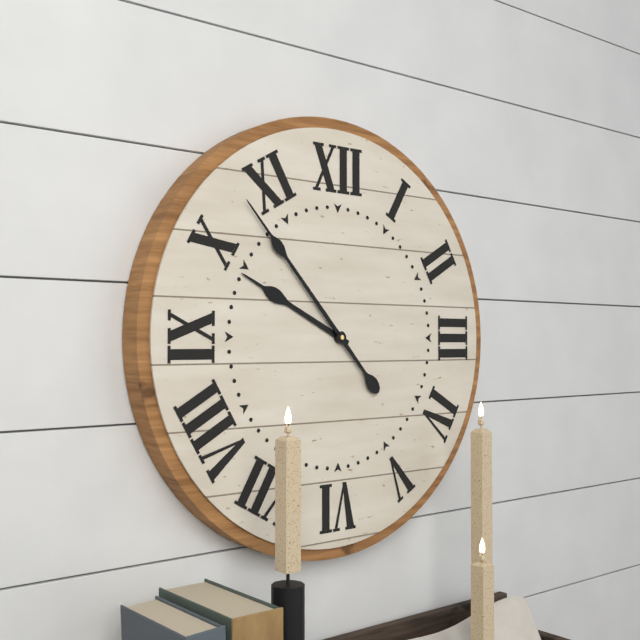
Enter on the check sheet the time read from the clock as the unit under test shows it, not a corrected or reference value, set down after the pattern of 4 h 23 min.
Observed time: 9 h 53 min
